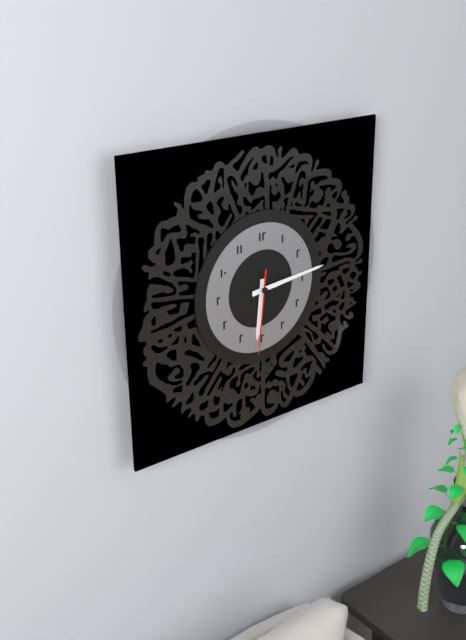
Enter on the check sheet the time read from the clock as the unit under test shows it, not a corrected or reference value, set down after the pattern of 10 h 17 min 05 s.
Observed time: 6 h 14 min 31 s
